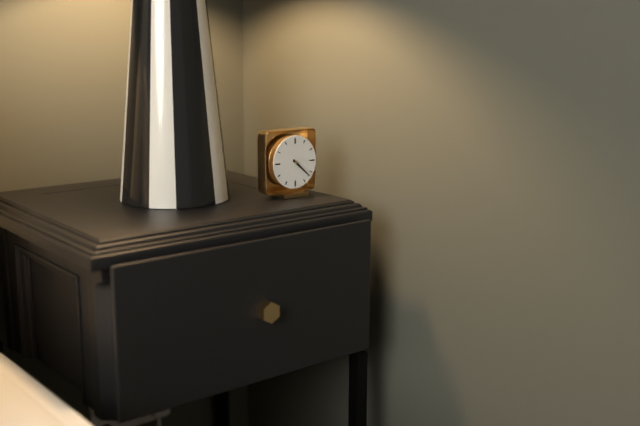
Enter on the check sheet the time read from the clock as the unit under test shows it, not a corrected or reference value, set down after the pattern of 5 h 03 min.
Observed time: 4 h 22 min
